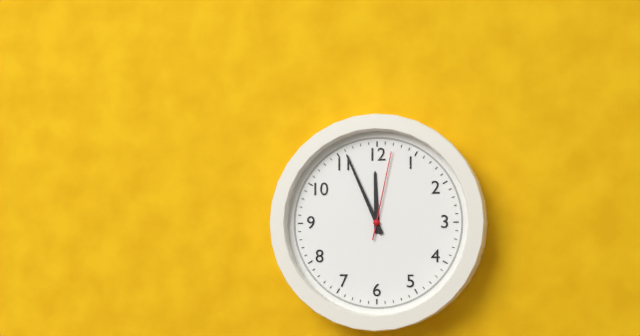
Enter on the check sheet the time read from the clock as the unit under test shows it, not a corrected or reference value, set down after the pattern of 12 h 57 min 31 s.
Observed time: 11 h 56 min 02 s
